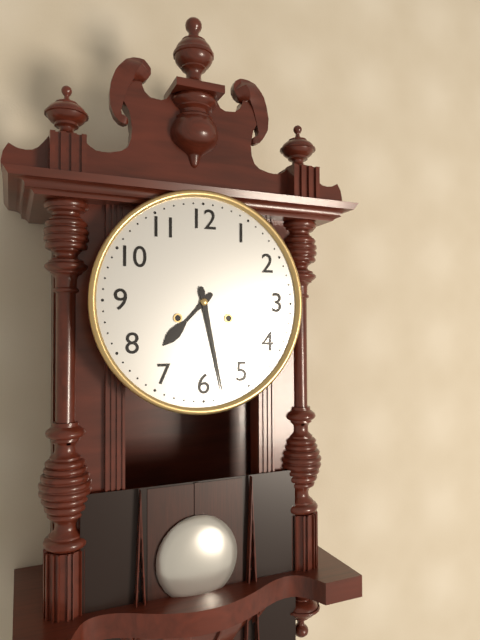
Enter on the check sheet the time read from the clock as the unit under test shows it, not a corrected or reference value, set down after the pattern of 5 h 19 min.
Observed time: 7 h 28 min
